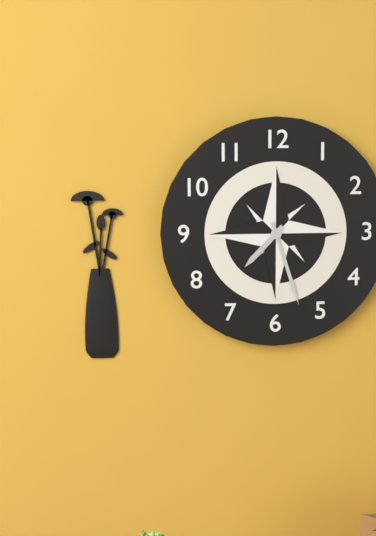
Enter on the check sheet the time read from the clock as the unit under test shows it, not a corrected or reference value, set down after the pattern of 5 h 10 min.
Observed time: 7 h 27 min
